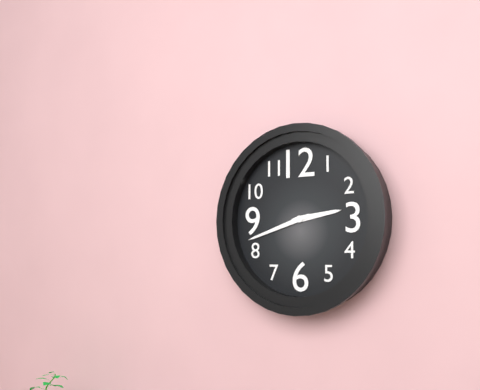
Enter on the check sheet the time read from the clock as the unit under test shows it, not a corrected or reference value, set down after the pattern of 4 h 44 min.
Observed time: 2 h 42 min
